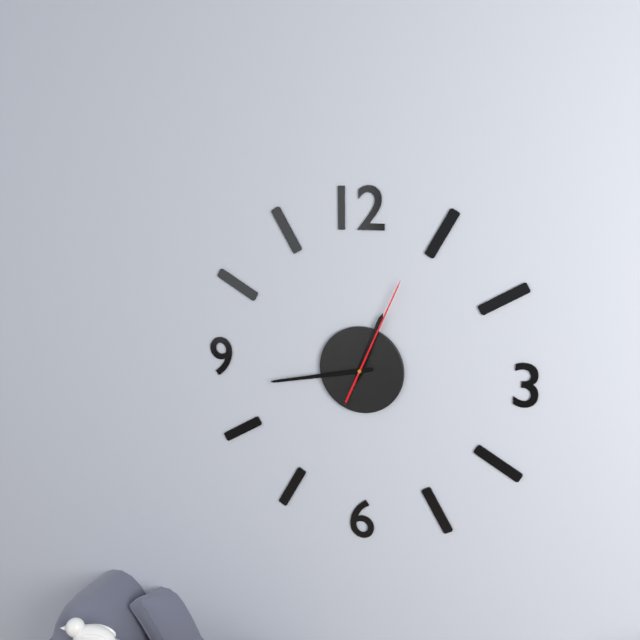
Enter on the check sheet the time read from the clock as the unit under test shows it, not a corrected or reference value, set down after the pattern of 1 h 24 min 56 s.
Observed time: 12 h 43 min 04 s
